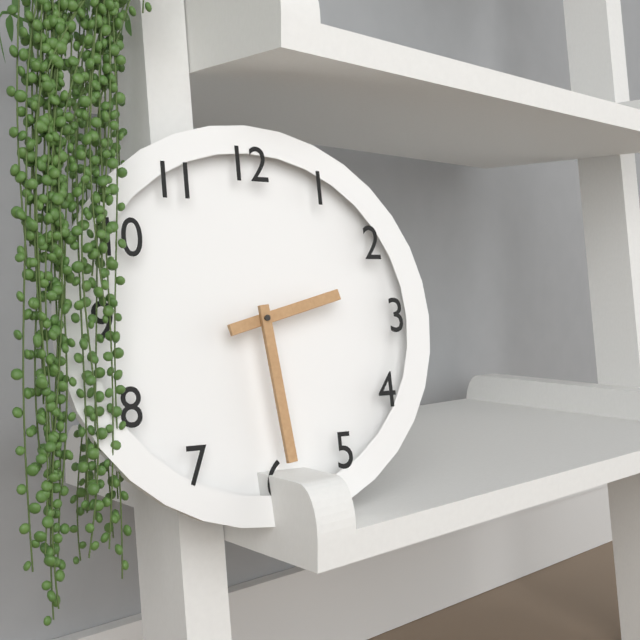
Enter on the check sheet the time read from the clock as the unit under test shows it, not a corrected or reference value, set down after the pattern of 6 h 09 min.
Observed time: 2 h 29 min
